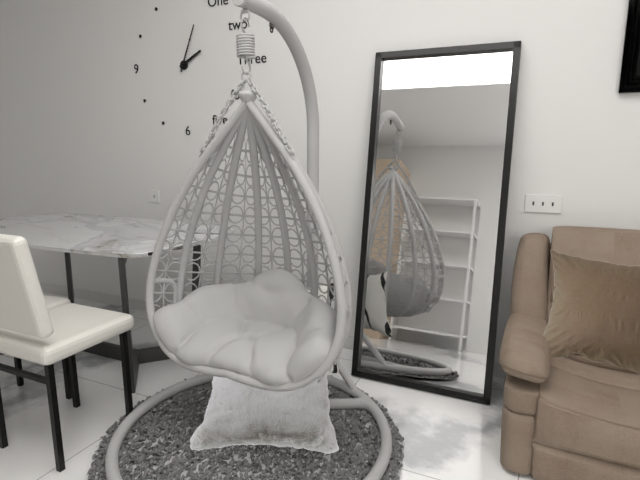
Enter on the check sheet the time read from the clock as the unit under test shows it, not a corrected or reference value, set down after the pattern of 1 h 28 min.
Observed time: 2 h 04 min
